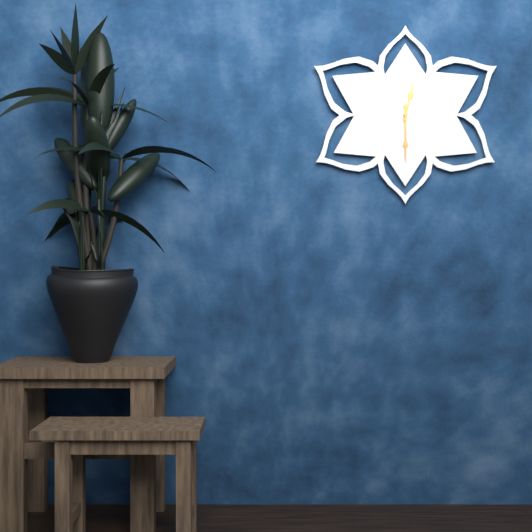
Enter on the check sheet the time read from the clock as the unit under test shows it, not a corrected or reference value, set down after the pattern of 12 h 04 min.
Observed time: 12 h 30 min
